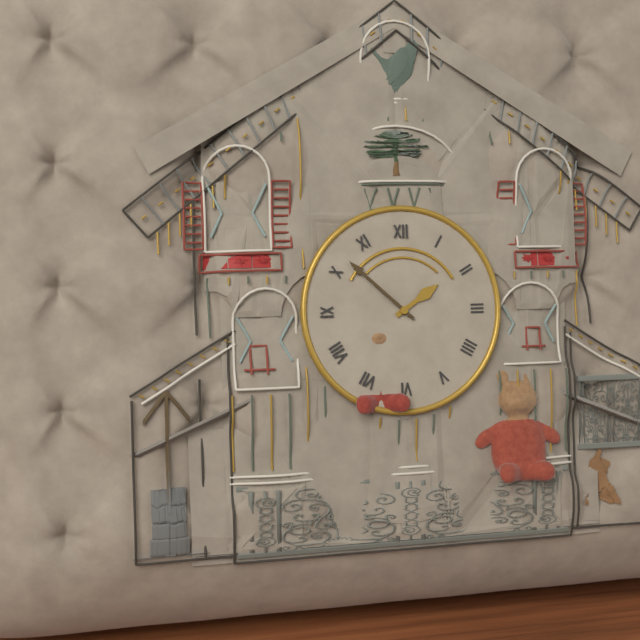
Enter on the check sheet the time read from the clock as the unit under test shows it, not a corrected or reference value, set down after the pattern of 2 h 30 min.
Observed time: 1 h 52 min
